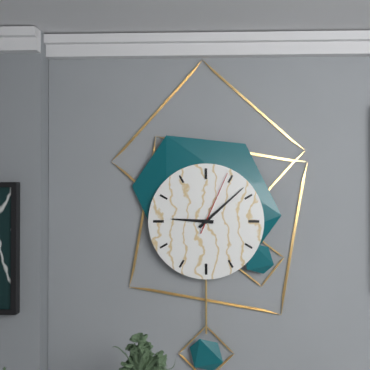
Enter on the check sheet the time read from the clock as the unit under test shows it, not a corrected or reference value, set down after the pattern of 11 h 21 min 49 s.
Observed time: 9 h 08 min 04 s
